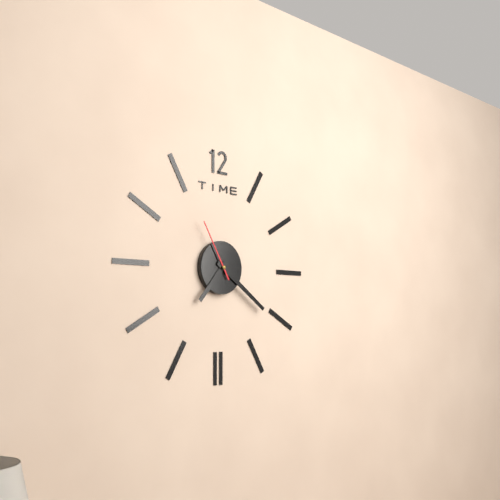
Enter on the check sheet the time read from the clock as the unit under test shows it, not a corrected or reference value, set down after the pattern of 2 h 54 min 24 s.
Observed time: 7 h 21 min 55 s
